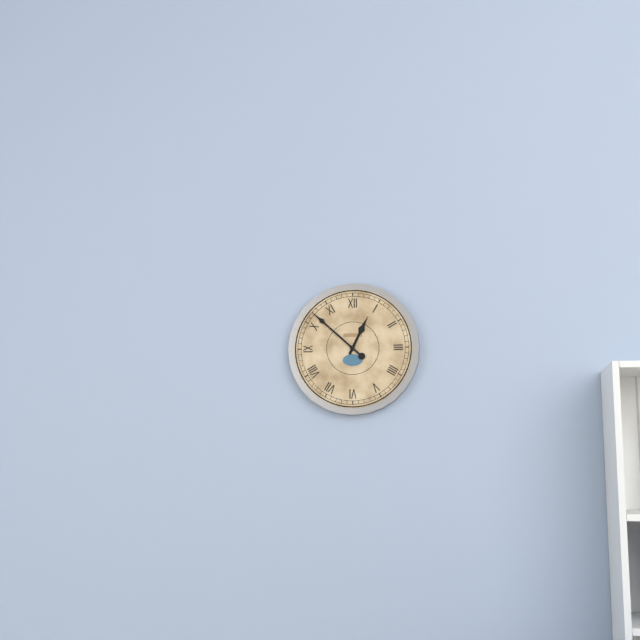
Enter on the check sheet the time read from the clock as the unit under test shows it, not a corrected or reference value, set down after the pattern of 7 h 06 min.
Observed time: 12 h 52 min
